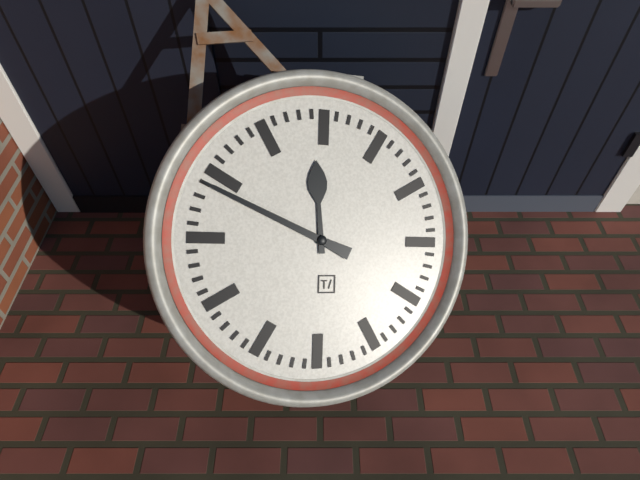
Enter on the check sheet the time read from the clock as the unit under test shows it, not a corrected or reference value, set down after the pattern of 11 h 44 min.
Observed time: 11 h 49 min
